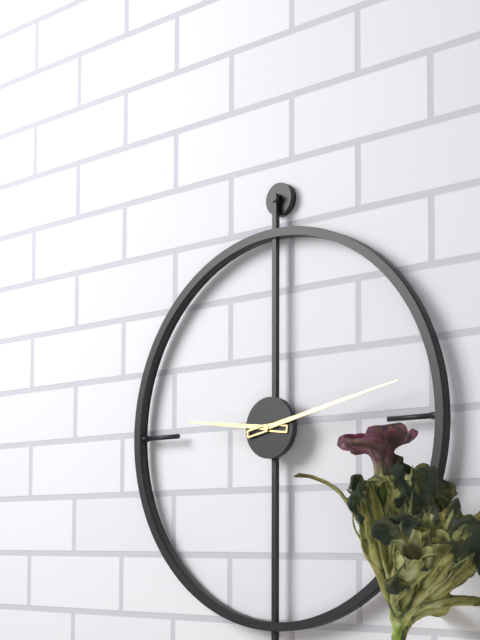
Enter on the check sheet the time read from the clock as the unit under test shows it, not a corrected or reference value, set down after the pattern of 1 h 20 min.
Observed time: 9 h 13 min
